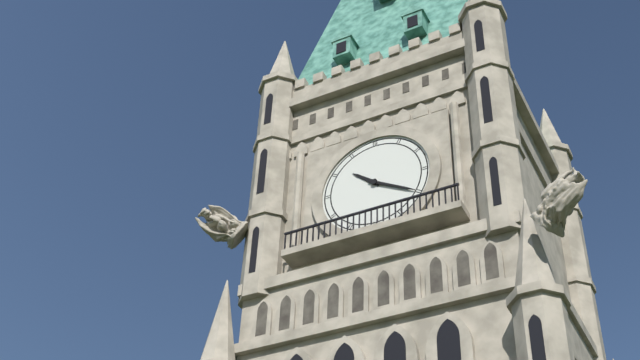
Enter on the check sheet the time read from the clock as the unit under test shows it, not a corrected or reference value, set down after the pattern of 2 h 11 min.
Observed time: 10 h 20 min
